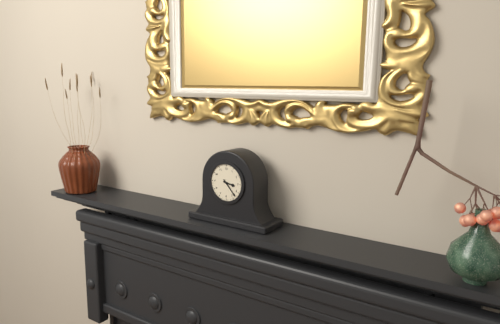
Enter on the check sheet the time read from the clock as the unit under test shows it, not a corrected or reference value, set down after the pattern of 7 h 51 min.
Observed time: 3 h 23 min
